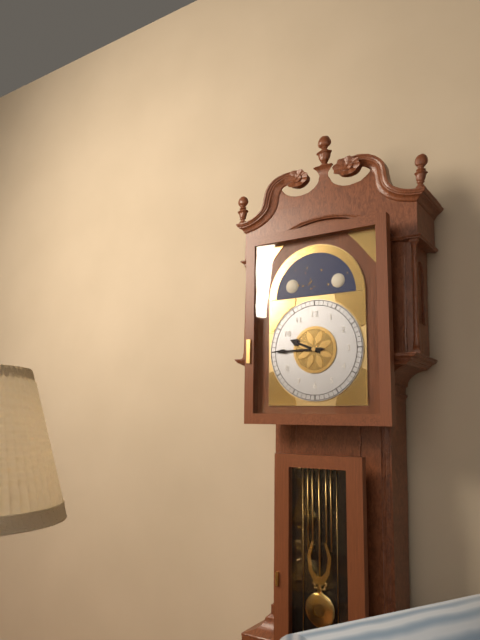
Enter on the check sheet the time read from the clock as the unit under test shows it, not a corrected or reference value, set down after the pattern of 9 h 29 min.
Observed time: 9 h 45 min
